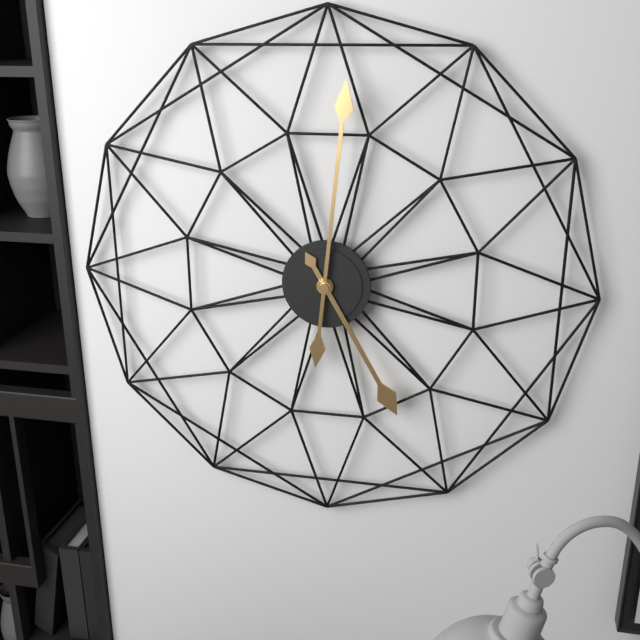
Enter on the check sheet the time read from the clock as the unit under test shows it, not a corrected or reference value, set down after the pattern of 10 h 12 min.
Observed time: 5 h 01 min
